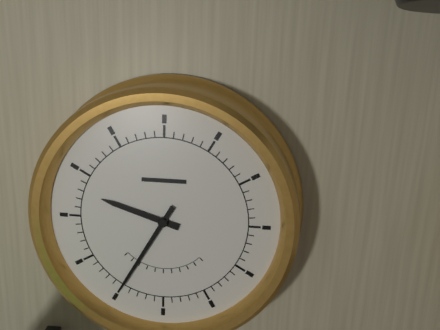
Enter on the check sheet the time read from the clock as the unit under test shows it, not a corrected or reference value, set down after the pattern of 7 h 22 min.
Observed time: 9 h 35 min
